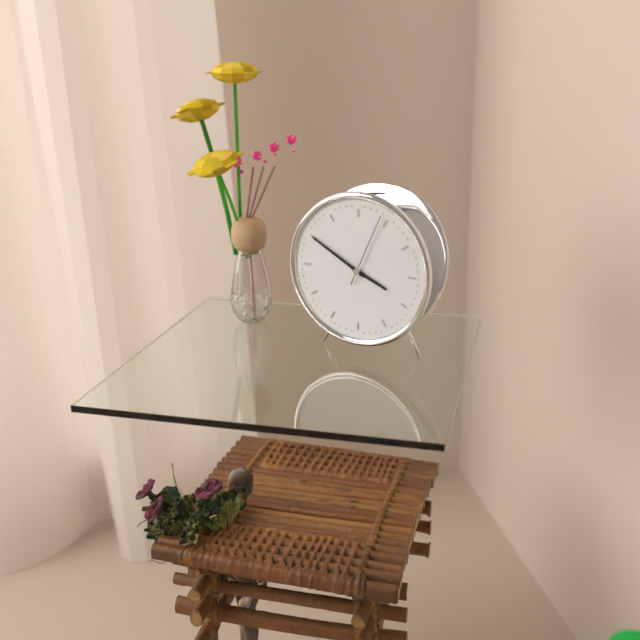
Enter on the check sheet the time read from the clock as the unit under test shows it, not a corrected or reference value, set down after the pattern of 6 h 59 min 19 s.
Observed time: 3 h 50 min 04 s
